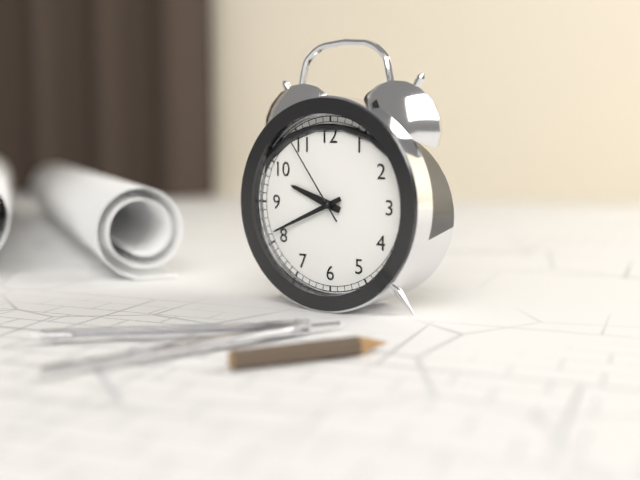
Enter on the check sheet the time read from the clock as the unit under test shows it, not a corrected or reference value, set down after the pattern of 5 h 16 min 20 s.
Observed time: 9 h 41 min 54 s
